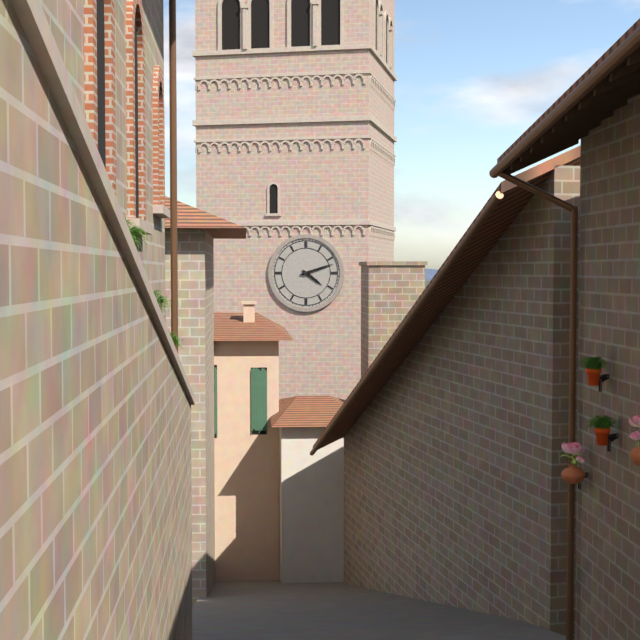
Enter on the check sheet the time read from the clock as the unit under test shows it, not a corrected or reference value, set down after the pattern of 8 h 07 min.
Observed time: 4 h 12 min
